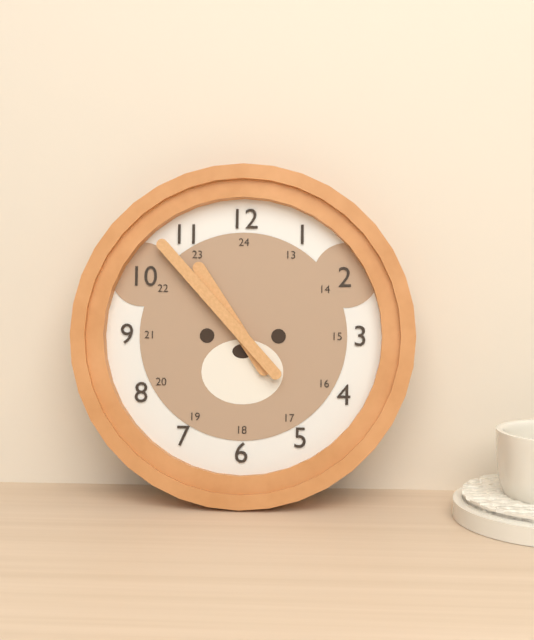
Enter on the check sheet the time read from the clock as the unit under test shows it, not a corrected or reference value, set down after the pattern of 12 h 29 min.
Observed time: 10 h 53 min
